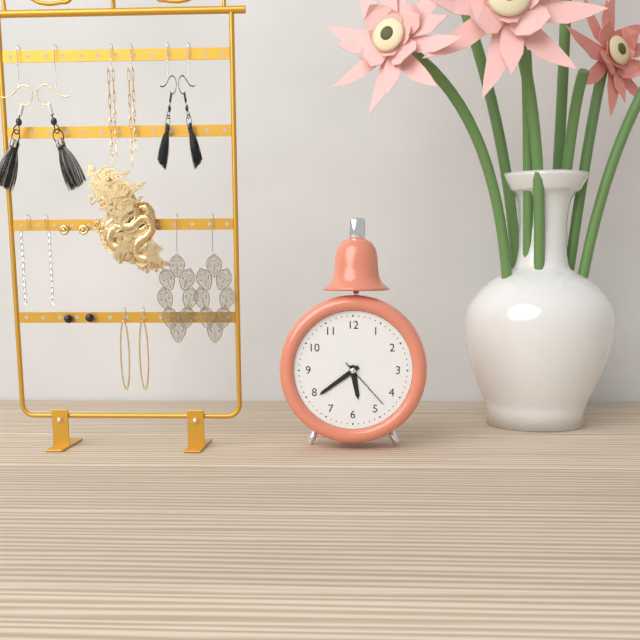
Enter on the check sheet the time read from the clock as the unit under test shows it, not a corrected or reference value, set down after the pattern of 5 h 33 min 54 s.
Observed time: 5 h 39 min 23 s
